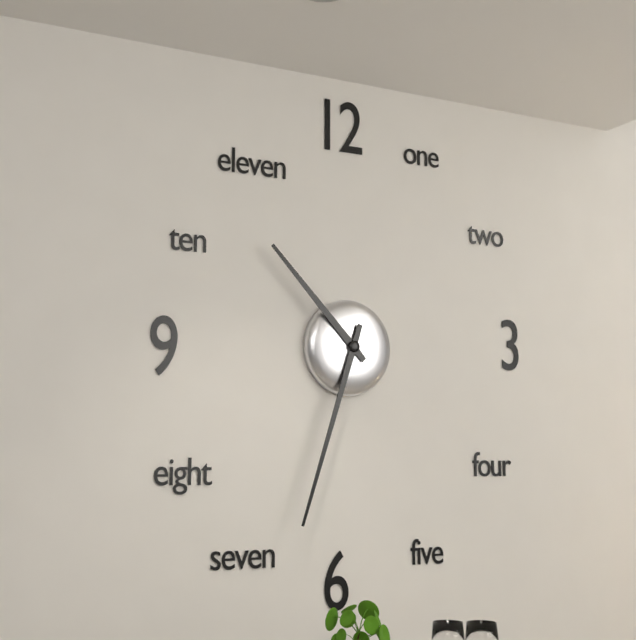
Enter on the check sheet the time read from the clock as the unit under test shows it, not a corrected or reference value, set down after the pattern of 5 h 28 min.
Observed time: 10 h 33 min
